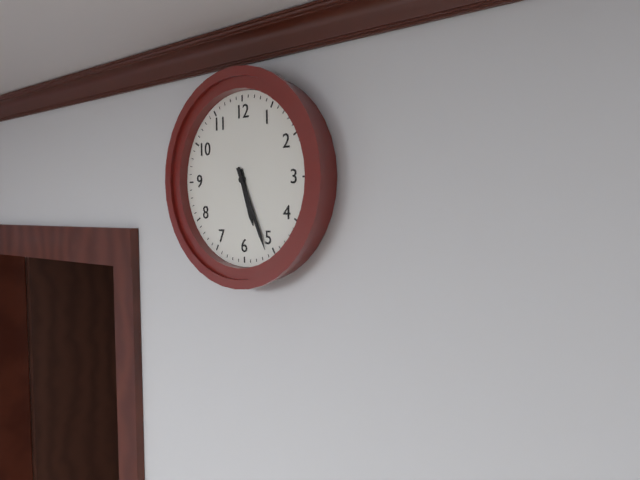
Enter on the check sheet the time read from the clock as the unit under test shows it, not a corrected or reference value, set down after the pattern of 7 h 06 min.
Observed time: 5 h 26 min
